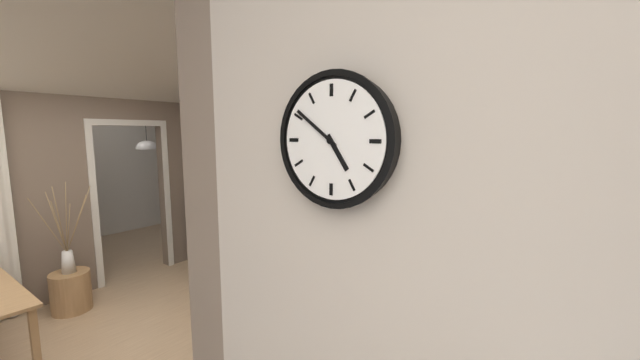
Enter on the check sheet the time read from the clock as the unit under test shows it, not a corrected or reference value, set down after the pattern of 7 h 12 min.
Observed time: 4 h 51 min
